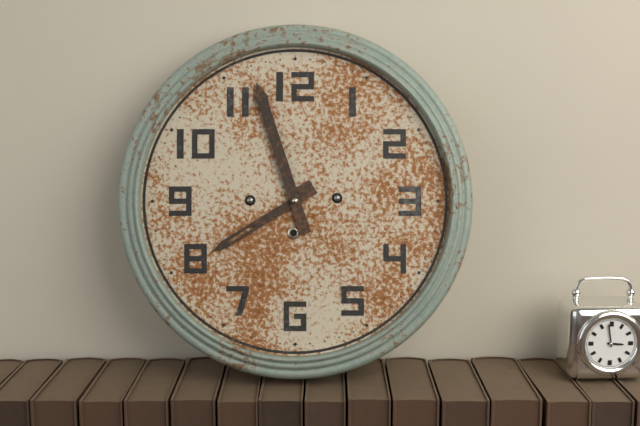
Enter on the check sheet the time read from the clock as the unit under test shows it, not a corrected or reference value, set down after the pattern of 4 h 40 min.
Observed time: 7 h 57 min
